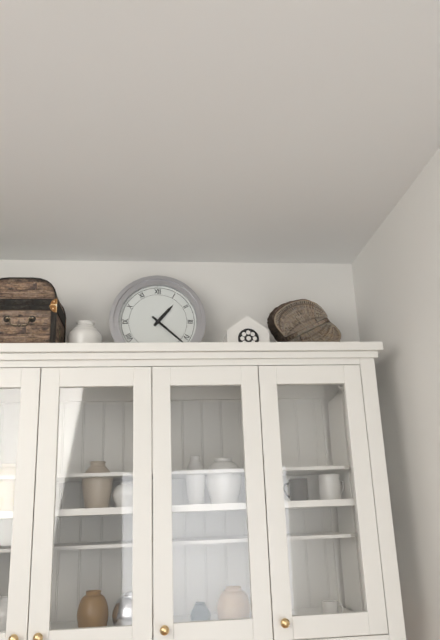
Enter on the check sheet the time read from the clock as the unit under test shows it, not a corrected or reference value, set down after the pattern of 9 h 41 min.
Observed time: 1 h 22 min
